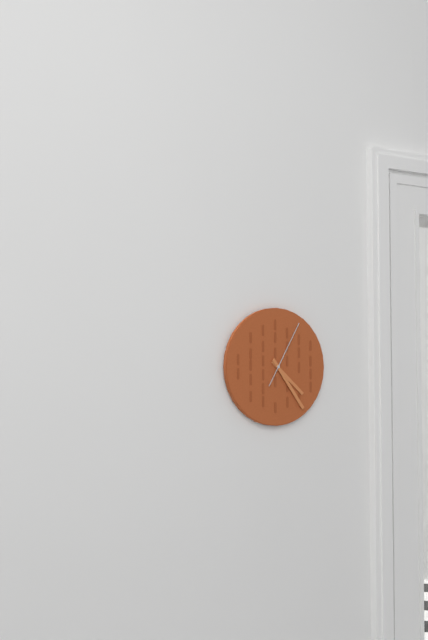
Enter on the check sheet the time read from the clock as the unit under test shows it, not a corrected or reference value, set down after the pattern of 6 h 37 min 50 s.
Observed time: 4 h 24 min 05 s
